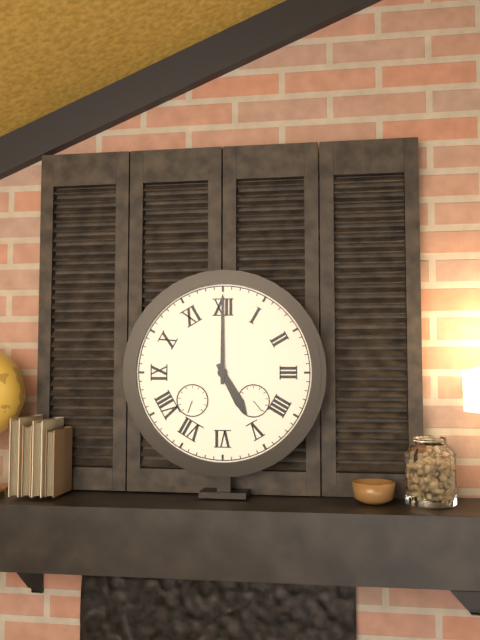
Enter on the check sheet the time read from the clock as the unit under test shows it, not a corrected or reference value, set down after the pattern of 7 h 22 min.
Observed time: 5 h 00 min
